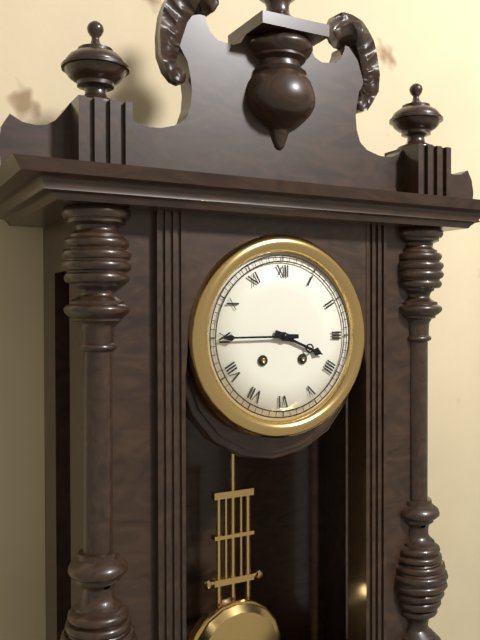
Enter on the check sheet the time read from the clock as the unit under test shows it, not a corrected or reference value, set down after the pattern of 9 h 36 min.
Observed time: 3 h 45 min
